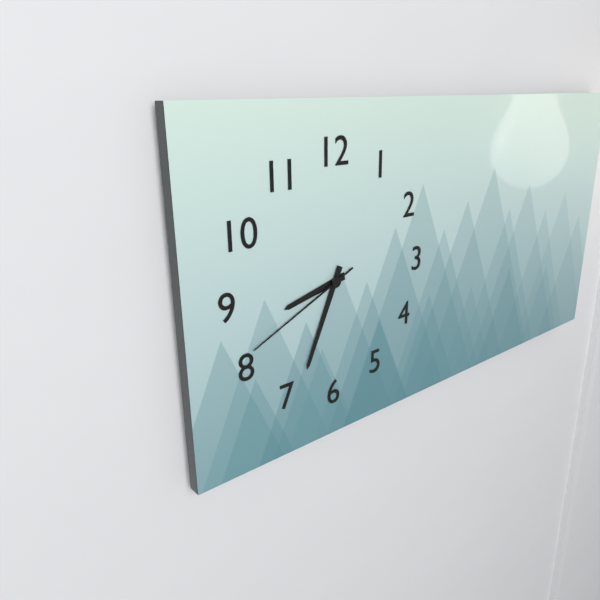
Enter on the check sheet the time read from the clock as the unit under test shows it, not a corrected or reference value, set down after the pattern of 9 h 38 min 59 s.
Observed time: 8 h 34 min 41 s
